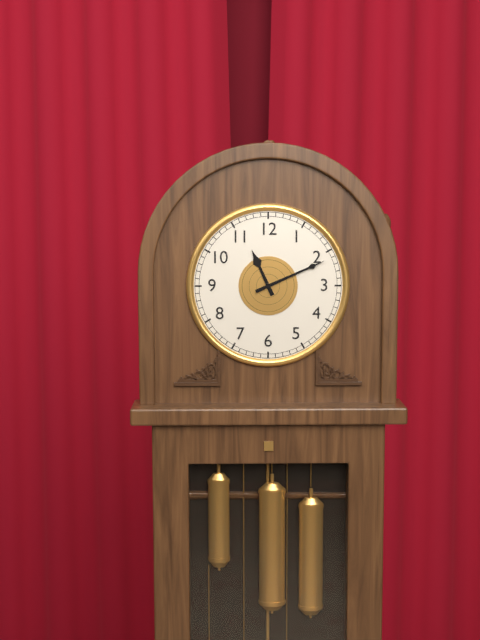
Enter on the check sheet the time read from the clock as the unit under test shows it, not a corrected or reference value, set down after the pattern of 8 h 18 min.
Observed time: 11 h 11 min
